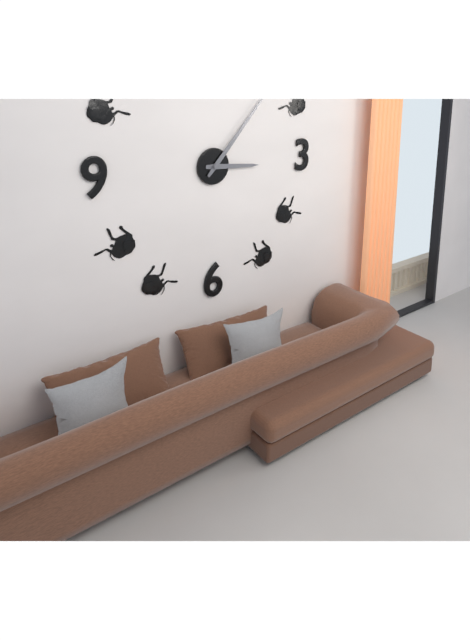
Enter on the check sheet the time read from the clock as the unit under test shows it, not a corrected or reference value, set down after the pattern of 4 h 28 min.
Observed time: 3 h 07 min
